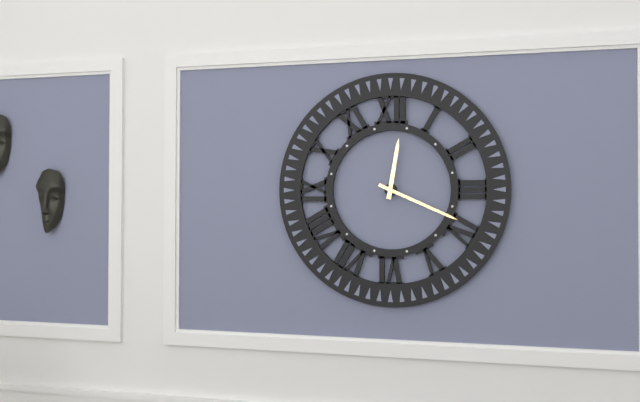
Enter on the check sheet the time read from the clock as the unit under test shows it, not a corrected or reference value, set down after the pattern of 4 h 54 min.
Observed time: 12 h 19 min
